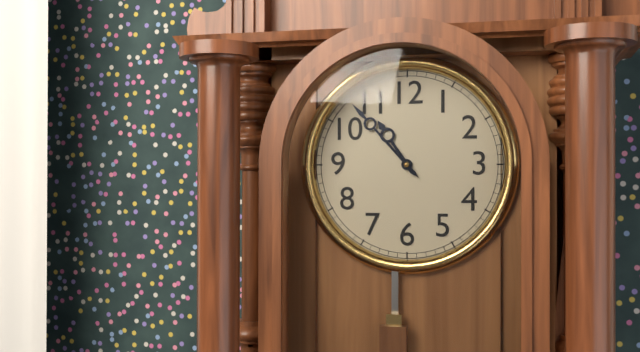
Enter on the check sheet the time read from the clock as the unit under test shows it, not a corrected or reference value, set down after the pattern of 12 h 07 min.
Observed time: 10 h 53 min
